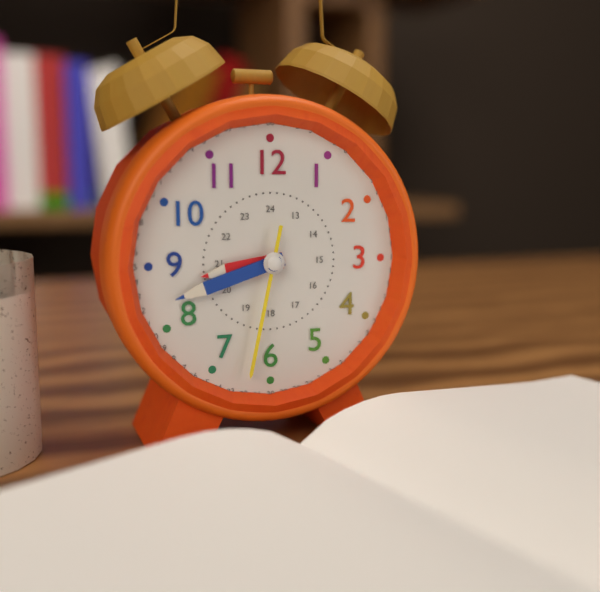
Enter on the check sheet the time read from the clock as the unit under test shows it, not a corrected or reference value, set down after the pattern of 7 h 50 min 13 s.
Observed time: 8 h 42 min 32 s
